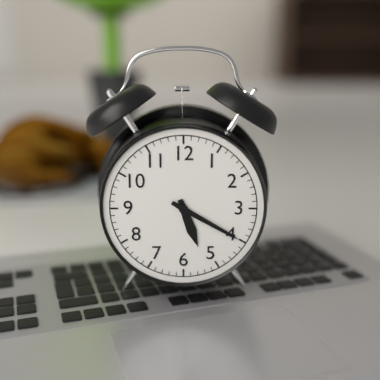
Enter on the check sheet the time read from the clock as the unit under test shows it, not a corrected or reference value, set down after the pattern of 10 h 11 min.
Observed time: 5 h 20 min
